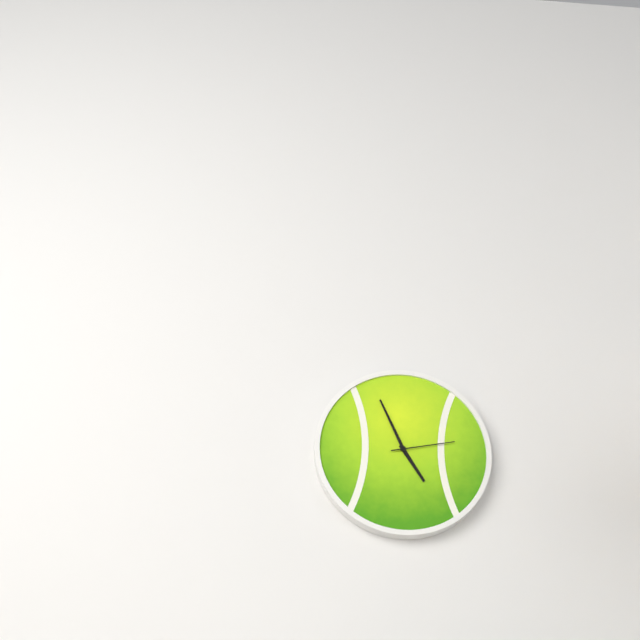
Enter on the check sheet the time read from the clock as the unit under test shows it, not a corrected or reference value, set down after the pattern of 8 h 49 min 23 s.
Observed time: 4 h 56 min 13 s
